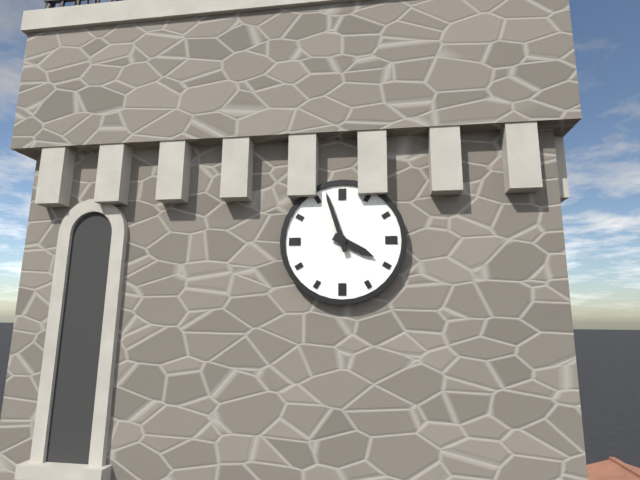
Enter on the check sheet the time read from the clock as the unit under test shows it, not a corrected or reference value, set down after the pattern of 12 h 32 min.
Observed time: 3 h 57 min
